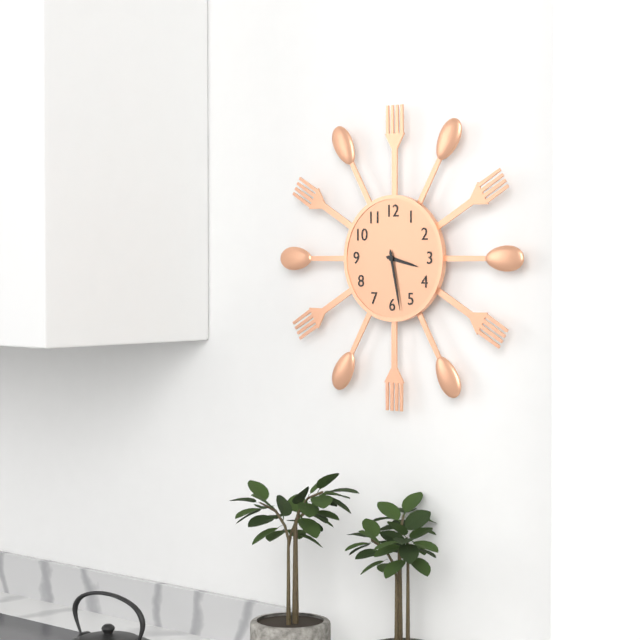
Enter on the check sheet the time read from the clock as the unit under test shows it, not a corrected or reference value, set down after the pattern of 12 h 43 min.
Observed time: 3 h 28 min
